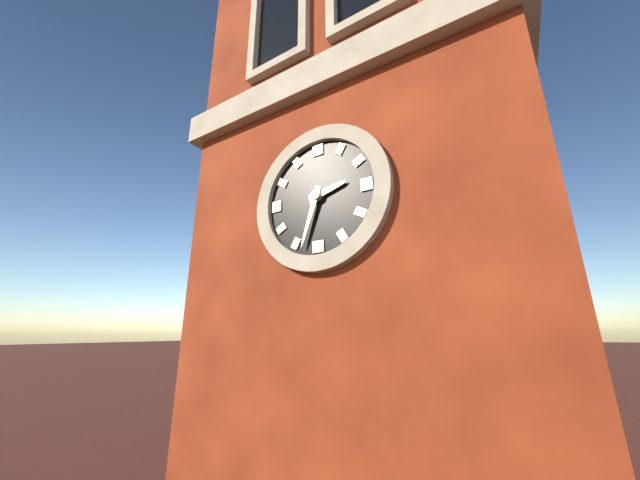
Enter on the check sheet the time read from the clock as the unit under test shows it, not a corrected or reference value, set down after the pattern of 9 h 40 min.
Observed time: 2 h 33 min
